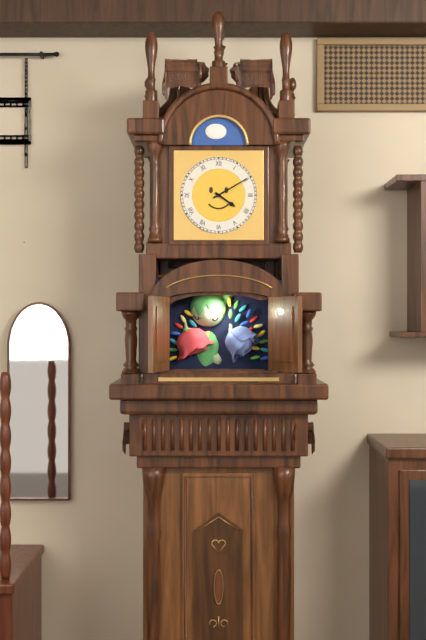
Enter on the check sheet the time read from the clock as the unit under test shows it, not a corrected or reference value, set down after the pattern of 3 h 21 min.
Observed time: 4 h 10 min
